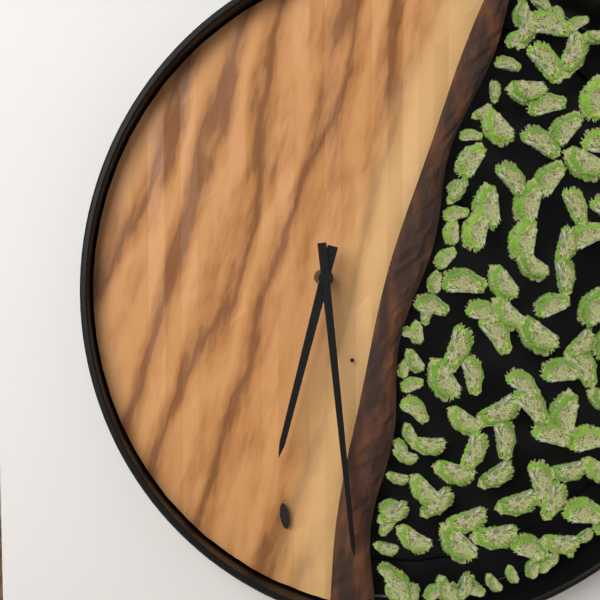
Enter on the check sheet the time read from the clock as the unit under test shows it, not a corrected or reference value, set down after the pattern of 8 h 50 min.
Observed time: 6 h 29 min
